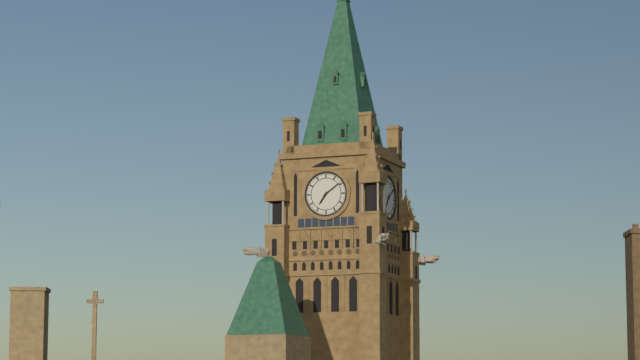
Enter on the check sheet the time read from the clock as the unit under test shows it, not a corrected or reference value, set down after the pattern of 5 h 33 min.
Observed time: 7 h 09 min
